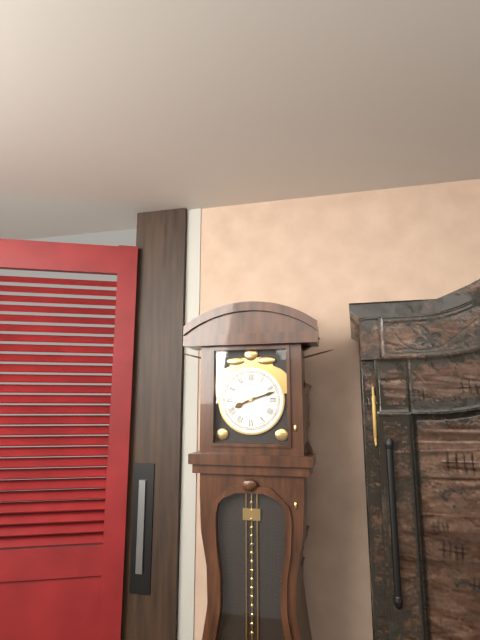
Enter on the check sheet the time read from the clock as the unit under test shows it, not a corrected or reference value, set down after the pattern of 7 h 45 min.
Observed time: 8 h 12 min
